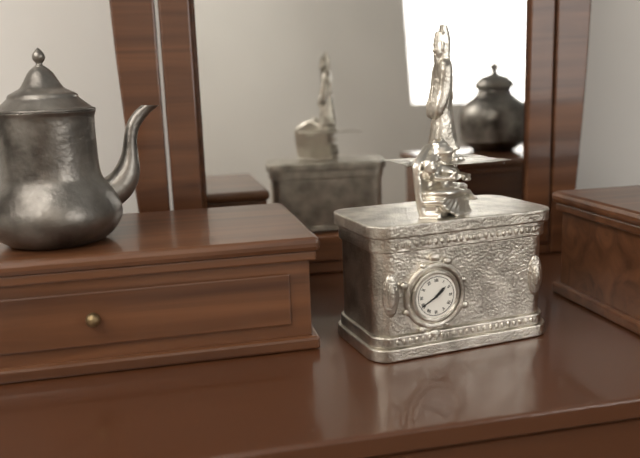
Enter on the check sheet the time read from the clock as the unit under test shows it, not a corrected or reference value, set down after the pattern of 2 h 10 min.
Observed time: 1 h 40 min
